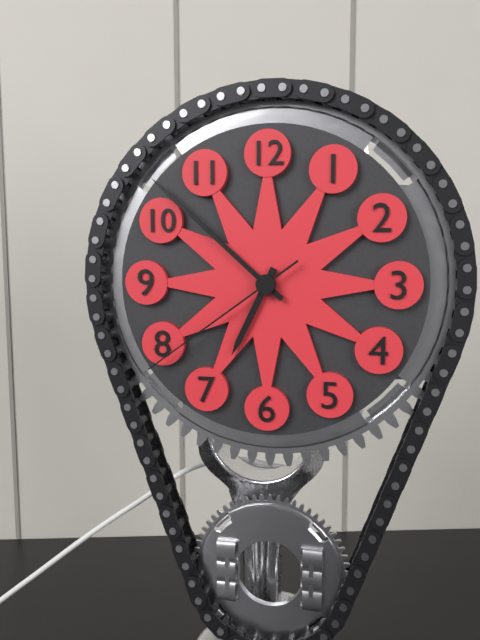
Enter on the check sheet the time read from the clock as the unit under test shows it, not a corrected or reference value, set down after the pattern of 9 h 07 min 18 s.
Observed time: 6 h 52 min 39 s
